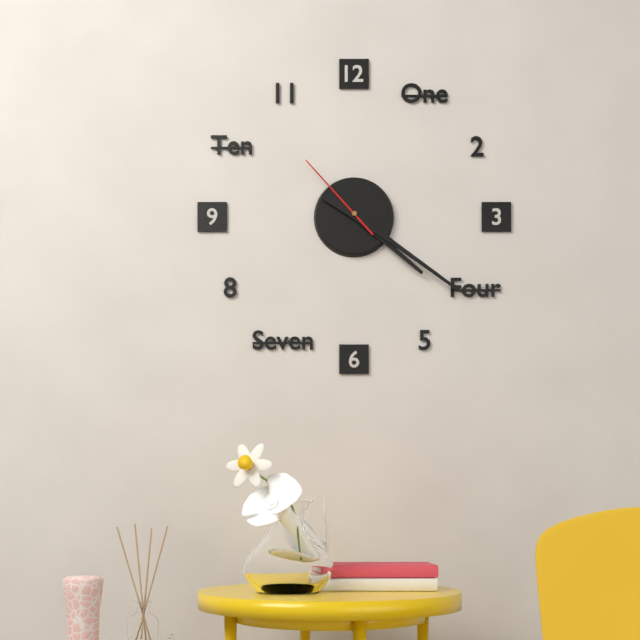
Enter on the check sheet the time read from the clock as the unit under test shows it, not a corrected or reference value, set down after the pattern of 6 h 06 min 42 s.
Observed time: 4 h 21 min 53 s
